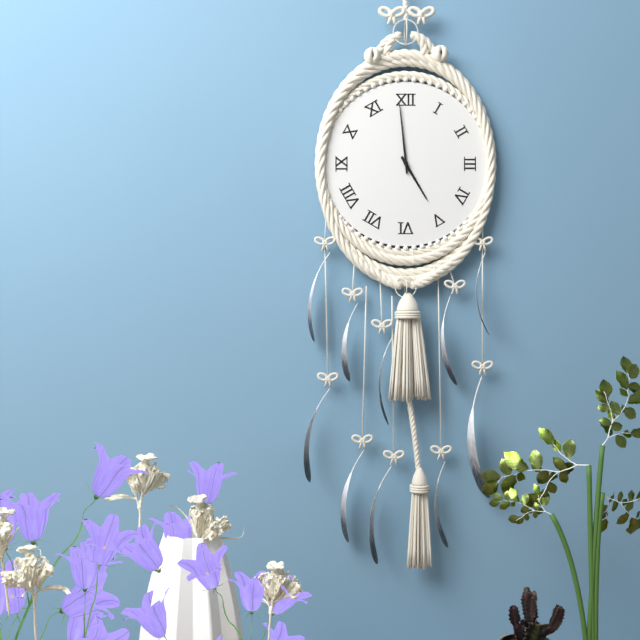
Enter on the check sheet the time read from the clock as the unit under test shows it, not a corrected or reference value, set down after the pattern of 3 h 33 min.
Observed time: 4 h 59 min
